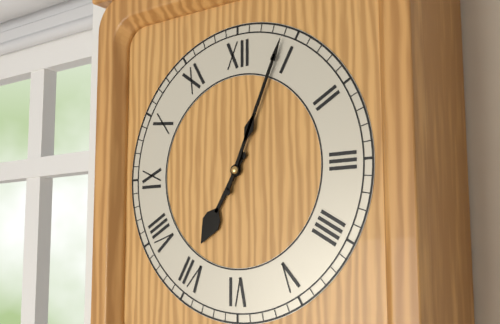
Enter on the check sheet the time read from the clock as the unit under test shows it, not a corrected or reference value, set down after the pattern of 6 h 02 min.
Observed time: 7 h 04 min
